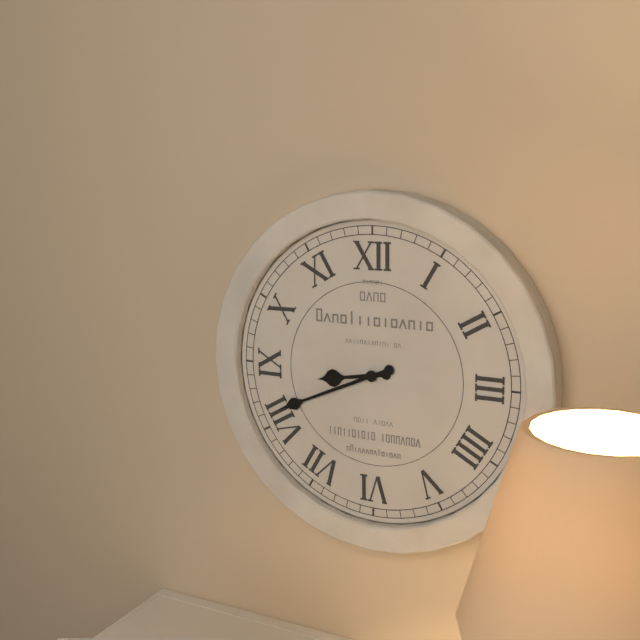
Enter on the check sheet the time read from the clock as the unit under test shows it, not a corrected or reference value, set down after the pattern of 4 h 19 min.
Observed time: 8 h 41 min
